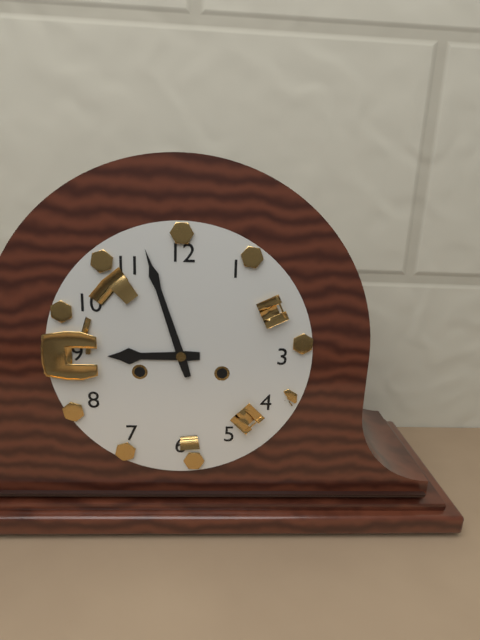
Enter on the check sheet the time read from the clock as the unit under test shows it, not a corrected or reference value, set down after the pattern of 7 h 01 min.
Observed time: 8 h 57 min
